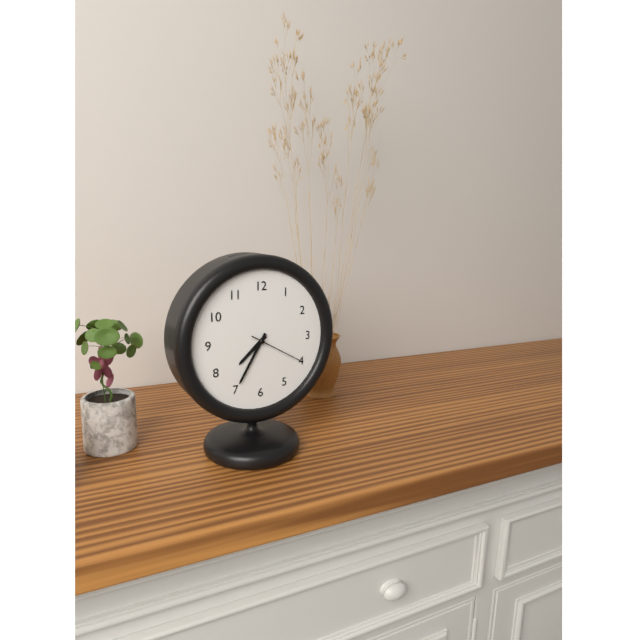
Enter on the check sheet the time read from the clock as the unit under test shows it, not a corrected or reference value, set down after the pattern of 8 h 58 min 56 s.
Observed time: 7 h 35 min 20 s
